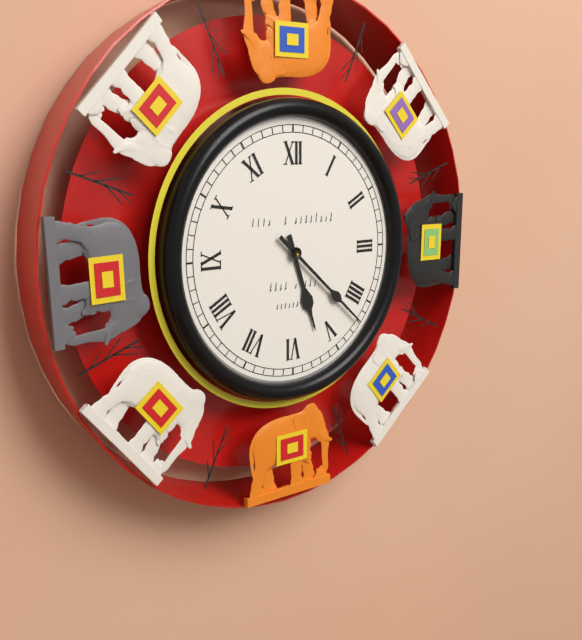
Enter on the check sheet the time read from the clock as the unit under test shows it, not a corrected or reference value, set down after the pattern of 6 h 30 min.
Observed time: 5 h 22 min
